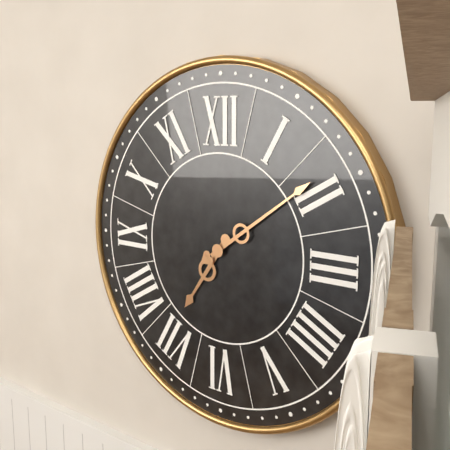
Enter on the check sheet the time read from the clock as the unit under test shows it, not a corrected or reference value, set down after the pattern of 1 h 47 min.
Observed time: 7 h 09 min
